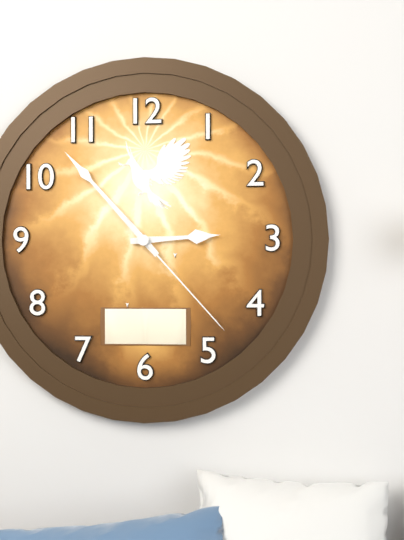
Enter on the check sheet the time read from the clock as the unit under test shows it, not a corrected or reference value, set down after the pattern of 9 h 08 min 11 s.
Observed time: 2 h 53 min 23 s
